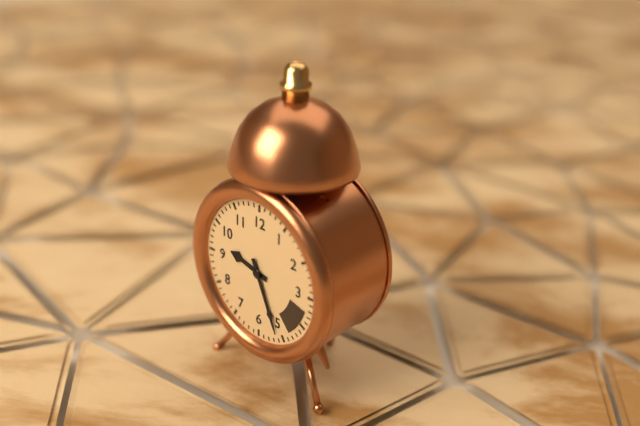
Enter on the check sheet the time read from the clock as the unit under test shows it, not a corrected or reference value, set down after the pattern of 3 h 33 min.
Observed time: 9 h 26 min
